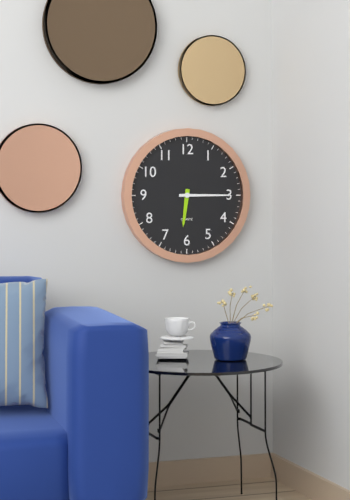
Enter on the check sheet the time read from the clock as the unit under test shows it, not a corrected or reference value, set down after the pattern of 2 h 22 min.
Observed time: 6 h 15 min
